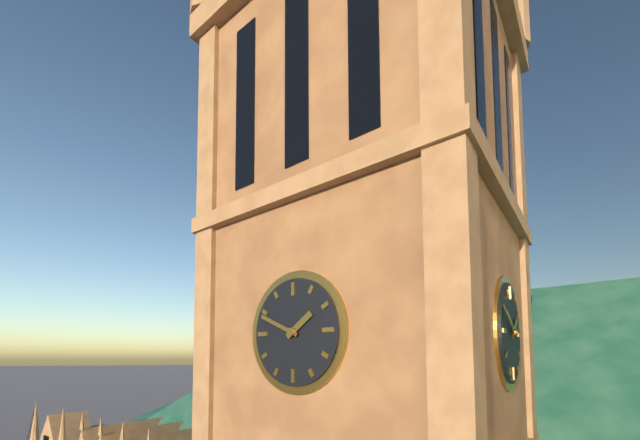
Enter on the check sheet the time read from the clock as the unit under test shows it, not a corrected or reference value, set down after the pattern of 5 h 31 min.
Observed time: 1 h 49 min
